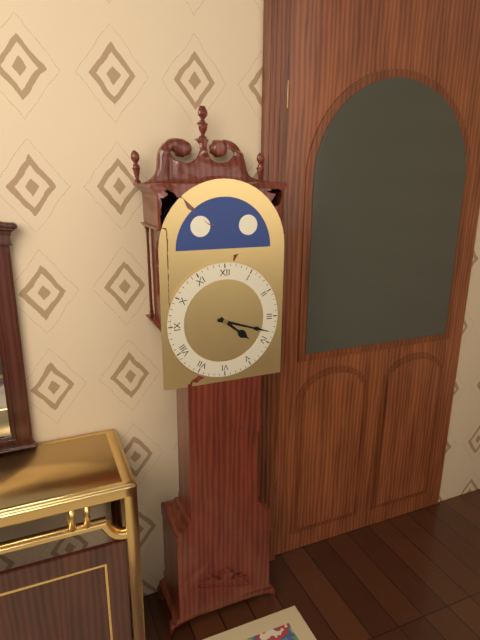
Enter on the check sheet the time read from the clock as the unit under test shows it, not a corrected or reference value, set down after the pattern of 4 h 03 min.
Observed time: 4 h 18 min
